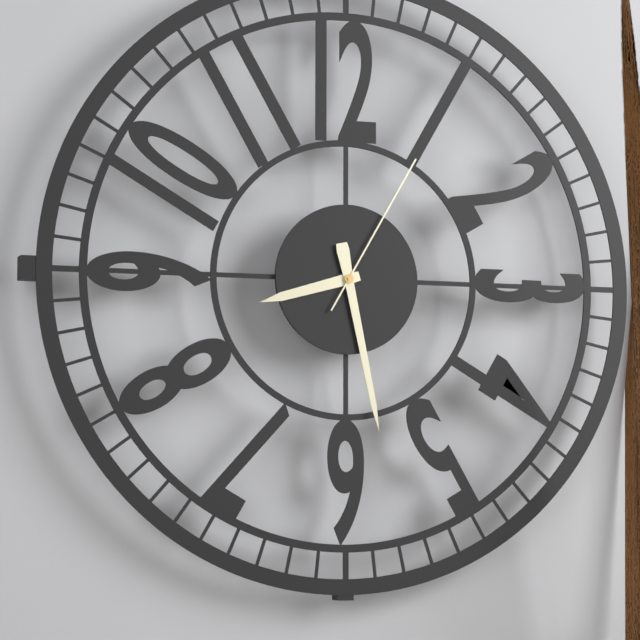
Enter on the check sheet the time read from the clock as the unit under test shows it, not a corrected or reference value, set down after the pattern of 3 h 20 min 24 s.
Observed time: 8 h 28 min 05 s
